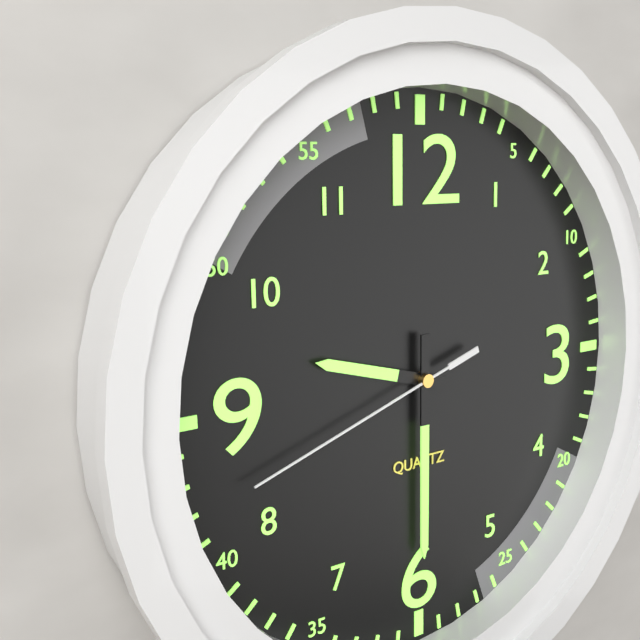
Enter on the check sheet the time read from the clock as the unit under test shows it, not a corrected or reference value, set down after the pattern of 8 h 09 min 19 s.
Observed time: 9 h 30 min 42 s
